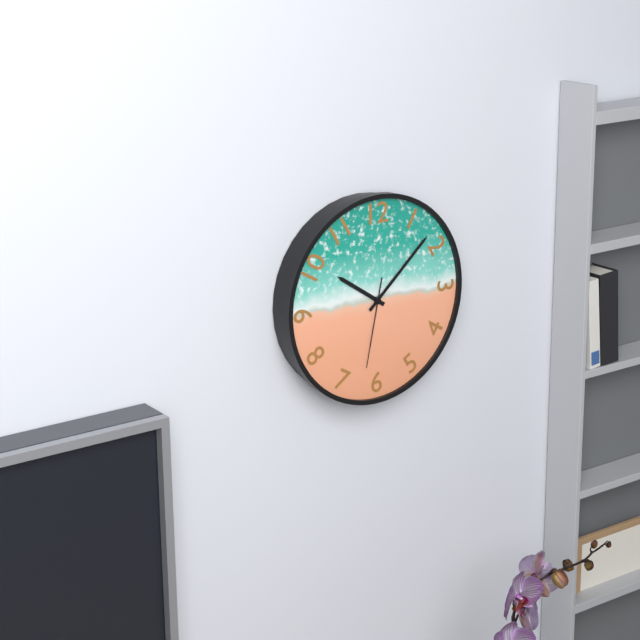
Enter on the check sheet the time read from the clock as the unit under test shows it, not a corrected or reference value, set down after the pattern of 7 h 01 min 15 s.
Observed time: 10 h 08 min 32 s
